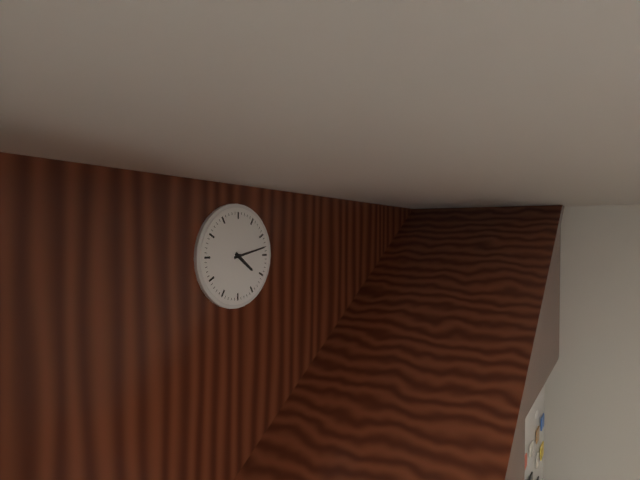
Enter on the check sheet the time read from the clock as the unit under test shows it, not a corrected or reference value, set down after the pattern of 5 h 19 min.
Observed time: 4 h 13 min
